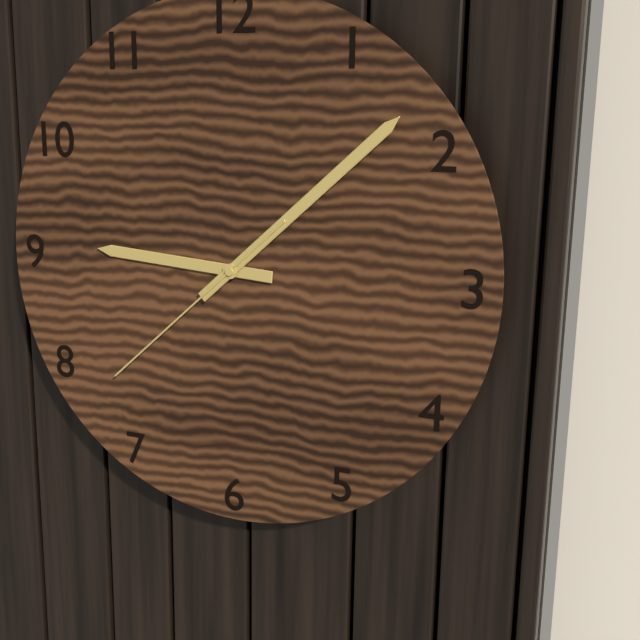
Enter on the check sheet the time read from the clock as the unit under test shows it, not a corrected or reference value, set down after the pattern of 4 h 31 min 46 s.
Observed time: 9 h 08 min 38 s
